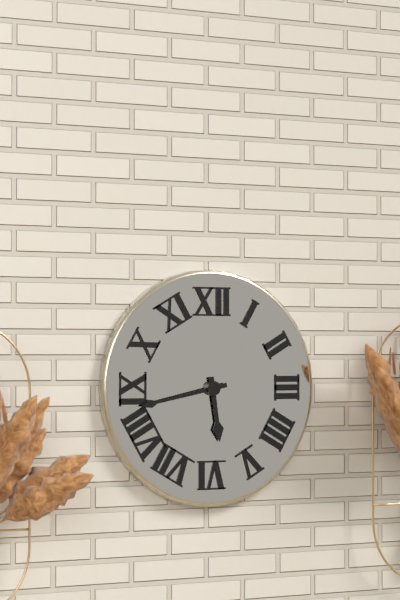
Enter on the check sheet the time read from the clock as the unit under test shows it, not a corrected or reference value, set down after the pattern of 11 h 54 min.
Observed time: 5 h 43 min
